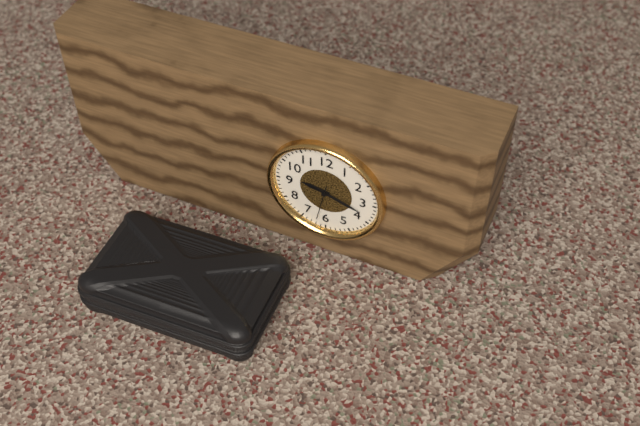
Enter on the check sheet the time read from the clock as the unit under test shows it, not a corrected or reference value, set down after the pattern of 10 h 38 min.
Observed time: 9 h 18 min
